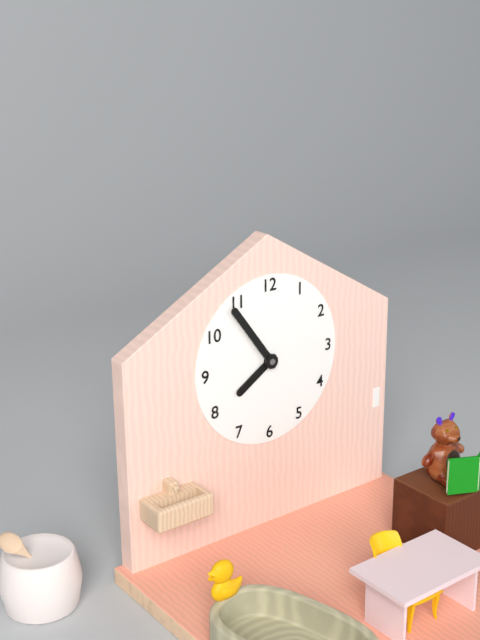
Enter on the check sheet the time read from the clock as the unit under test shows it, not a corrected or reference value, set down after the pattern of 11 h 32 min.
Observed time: 7 h 54 min
